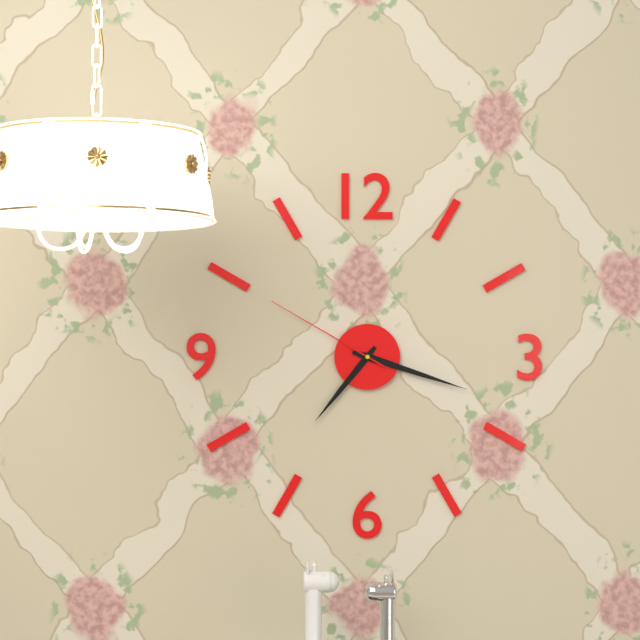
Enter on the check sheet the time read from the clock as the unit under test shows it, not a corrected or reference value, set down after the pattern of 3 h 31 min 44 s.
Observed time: 7 h 18 min 50 s
